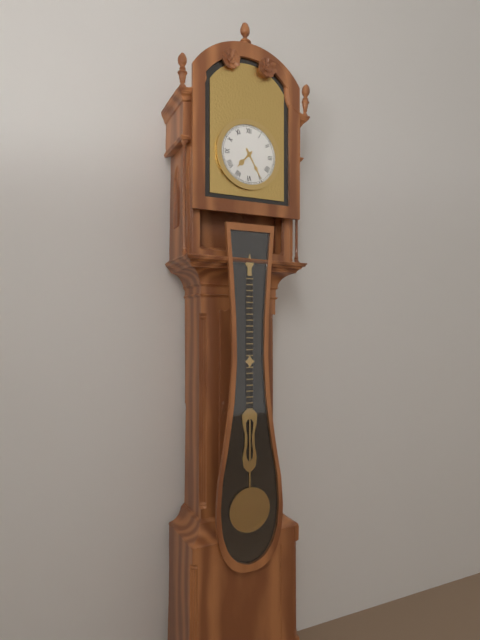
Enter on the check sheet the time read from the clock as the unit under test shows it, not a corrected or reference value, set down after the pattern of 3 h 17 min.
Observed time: 7 h 25 min
